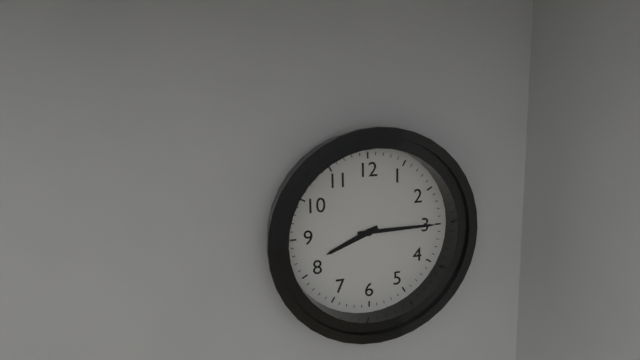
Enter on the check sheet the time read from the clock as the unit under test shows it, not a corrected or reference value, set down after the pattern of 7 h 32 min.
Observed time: 8 h 15 min
